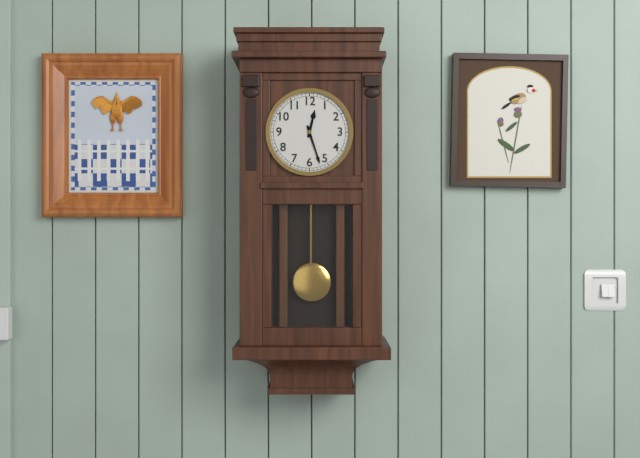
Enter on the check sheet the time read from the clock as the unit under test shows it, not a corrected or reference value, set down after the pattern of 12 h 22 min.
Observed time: 12 h 27 min
